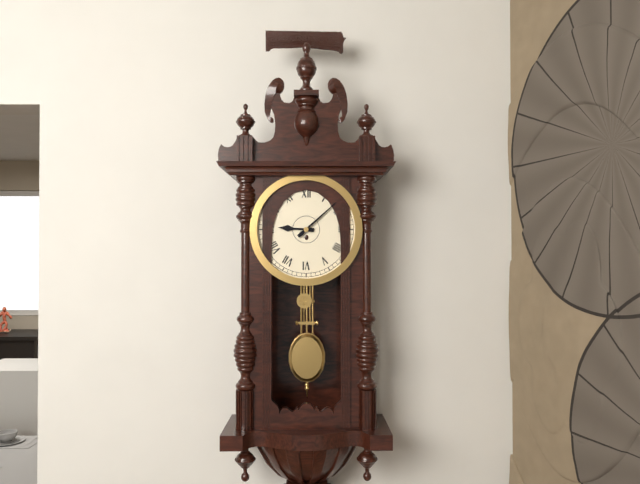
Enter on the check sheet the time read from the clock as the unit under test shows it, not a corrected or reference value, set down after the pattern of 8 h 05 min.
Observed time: 9 h 08 min
